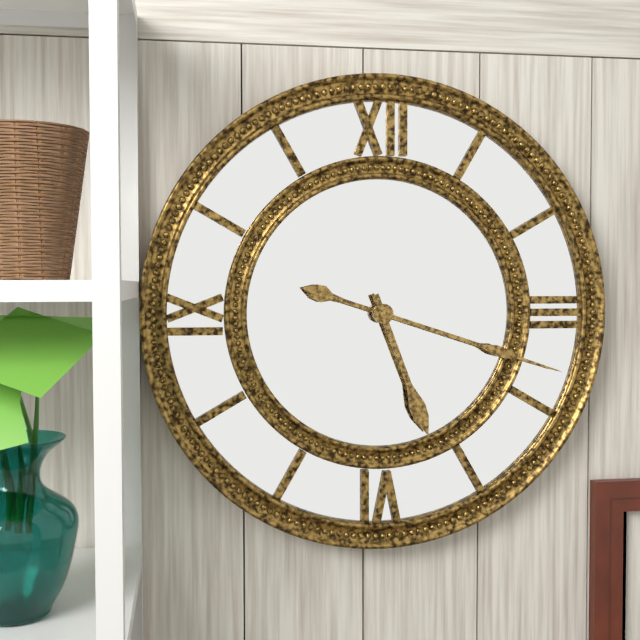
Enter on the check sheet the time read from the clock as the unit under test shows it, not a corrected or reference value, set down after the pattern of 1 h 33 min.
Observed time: 5 h 18 min
